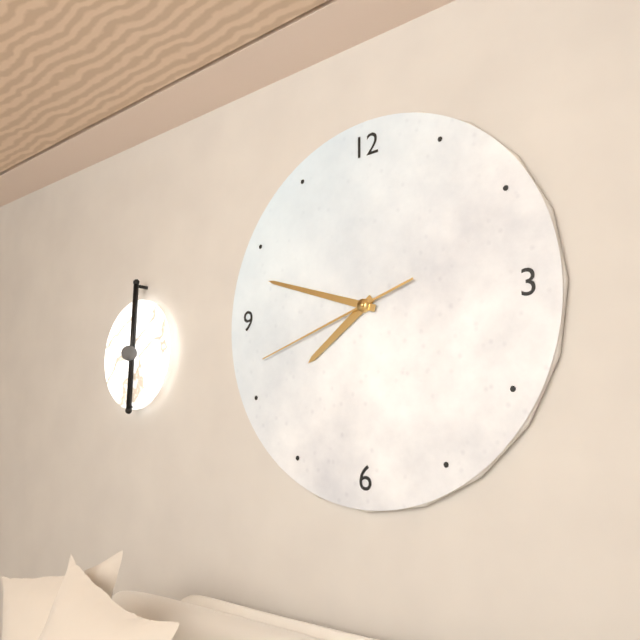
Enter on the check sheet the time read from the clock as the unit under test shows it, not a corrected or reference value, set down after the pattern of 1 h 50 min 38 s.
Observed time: 7 h 48 min 42 s
